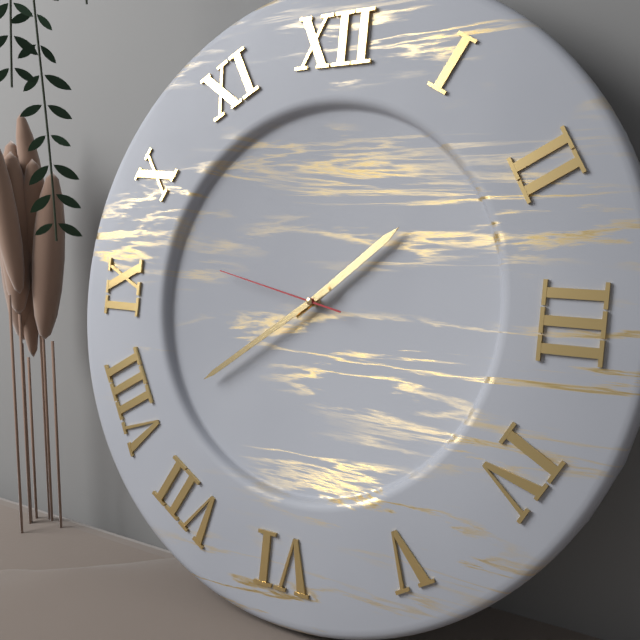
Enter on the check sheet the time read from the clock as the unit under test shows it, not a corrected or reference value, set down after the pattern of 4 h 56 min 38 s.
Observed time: 1 h 39 min 47 s
